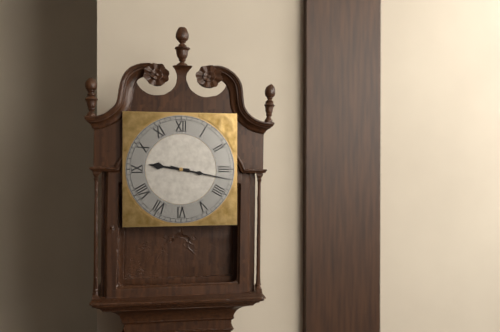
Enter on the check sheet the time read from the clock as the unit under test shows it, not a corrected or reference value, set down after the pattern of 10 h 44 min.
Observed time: 9 h 17 min
